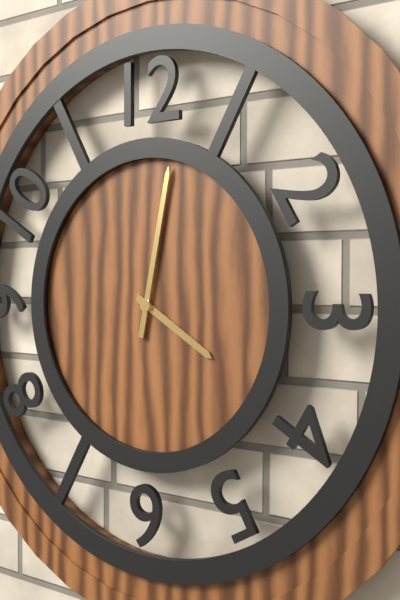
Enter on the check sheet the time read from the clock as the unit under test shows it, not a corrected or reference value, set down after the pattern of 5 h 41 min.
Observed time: 4 h 02 min
